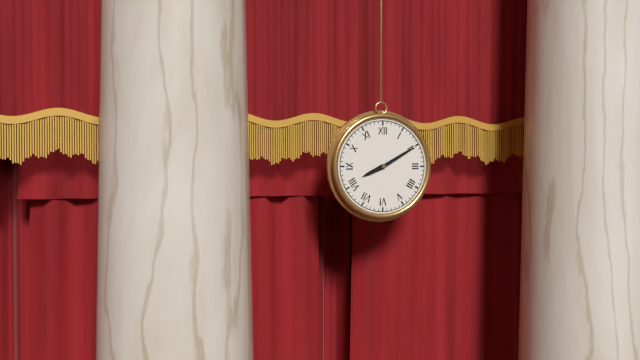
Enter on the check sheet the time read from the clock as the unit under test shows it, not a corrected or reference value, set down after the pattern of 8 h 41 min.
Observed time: 8 h 10 min
